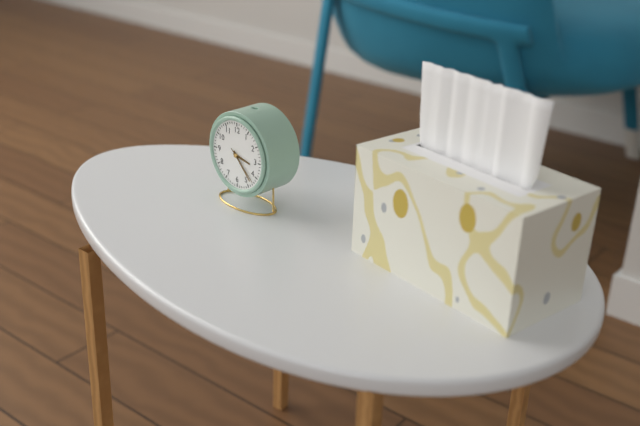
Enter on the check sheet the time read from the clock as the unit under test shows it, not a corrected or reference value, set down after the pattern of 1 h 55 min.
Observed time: 3 h 23 min
